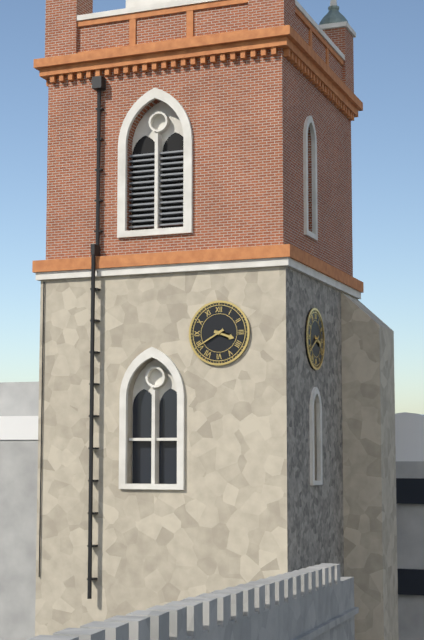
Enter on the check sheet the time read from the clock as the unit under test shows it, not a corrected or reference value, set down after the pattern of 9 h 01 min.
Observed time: 3 h 40 min
